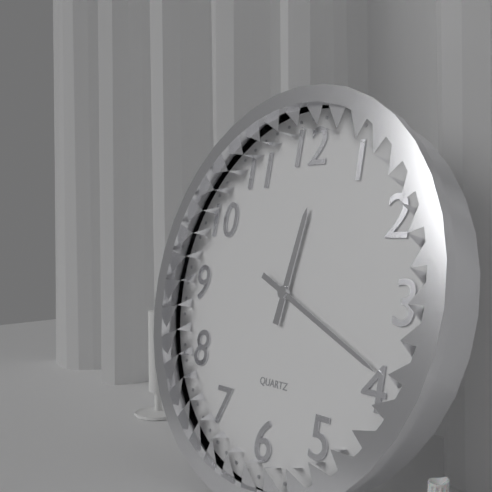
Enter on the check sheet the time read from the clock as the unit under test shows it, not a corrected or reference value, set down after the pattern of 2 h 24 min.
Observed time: 12 h 19 min
